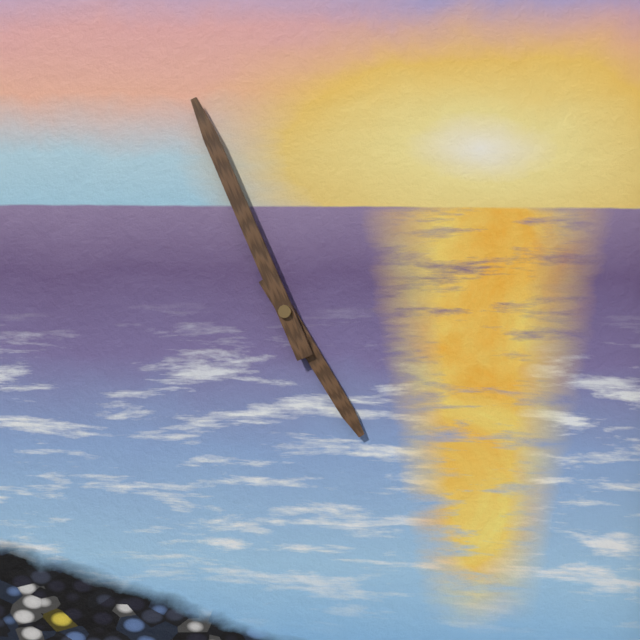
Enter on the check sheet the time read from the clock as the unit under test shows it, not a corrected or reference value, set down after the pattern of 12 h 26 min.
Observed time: 4 h 56 min
